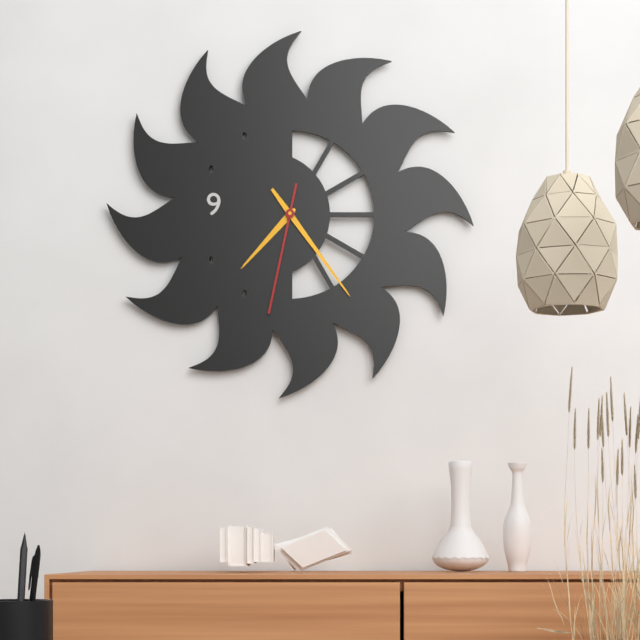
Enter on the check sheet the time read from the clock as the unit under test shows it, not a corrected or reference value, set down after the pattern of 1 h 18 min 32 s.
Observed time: 7 h 24 min 32 s
